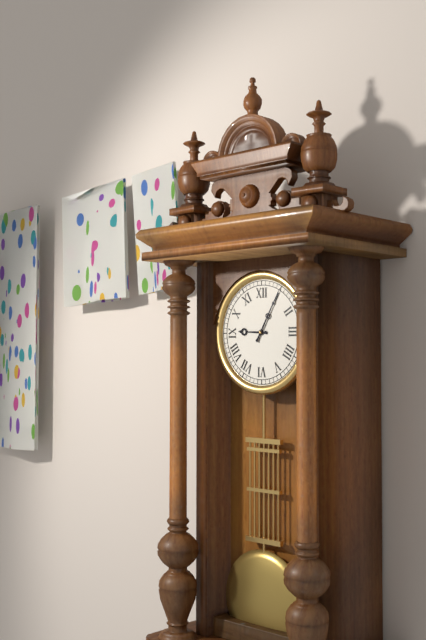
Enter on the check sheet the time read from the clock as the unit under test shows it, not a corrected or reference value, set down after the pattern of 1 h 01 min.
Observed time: 9 h 05 min
